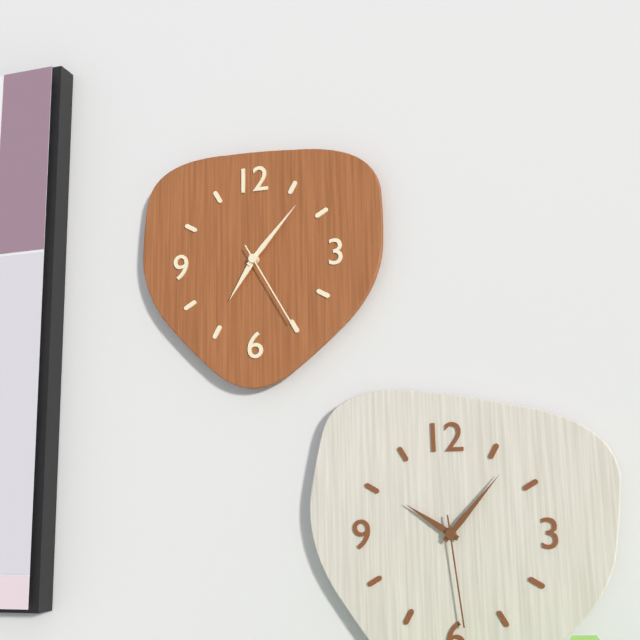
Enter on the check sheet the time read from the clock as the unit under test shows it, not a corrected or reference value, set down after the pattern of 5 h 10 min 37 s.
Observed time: 7 h 07 min 25 s
